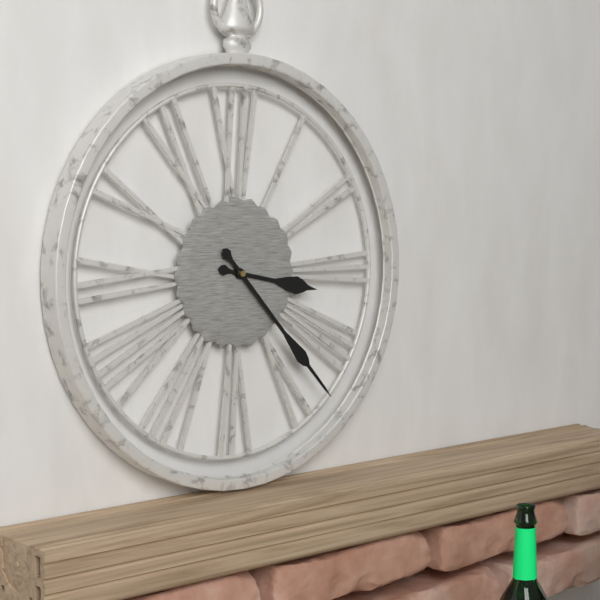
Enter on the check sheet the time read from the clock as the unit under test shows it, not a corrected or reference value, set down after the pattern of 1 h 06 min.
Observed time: 3 h 23 min
